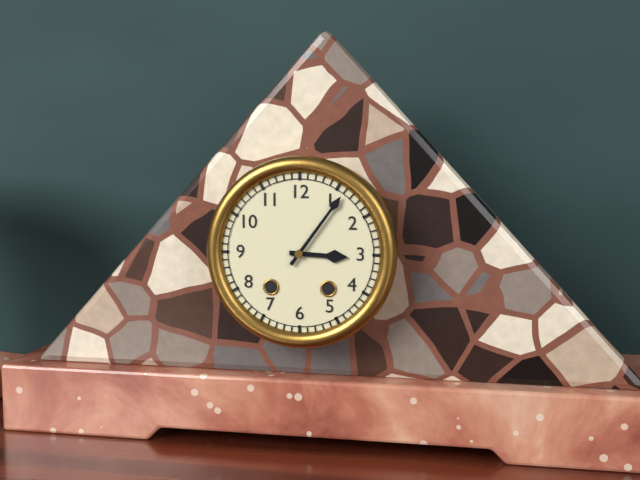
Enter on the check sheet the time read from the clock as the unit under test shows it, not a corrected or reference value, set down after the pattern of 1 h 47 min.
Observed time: 3 h 06 min
